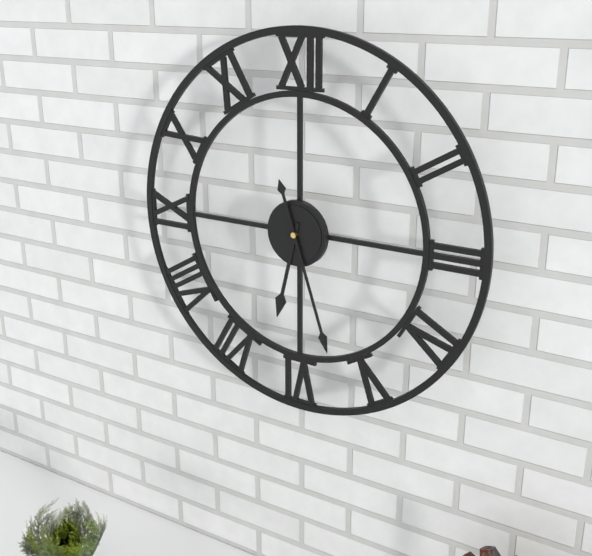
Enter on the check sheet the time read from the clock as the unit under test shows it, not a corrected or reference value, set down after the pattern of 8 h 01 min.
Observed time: 6 h 27 min
